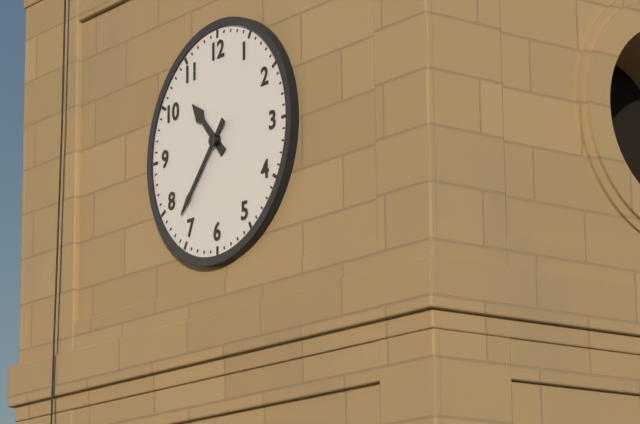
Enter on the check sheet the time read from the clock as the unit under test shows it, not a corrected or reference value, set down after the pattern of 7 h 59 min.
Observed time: 10 h 37 min
